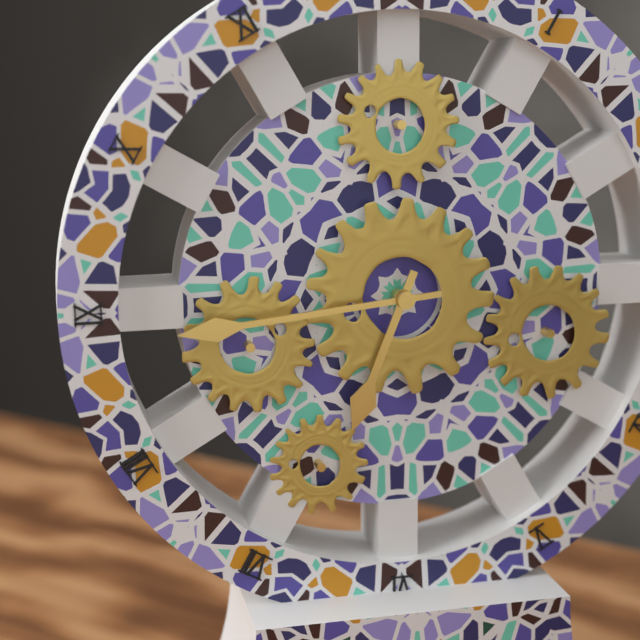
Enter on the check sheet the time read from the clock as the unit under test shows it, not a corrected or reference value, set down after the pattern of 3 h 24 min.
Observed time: 6 h 44 min
